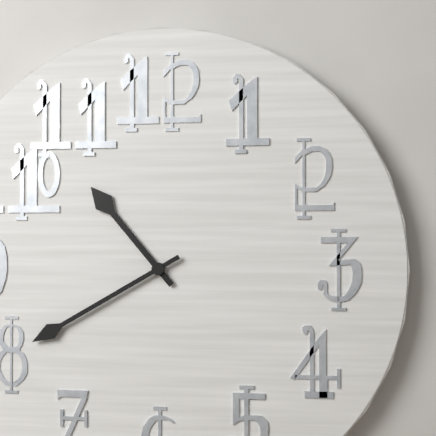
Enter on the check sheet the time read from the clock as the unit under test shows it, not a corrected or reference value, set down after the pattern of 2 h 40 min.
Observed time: 10 h 40 min
